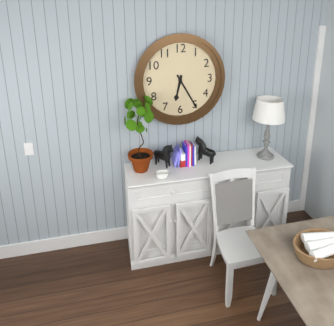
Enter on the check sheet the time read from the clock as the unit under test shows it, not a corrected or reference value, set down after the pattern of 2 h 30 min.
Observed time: 6 h 25 min
